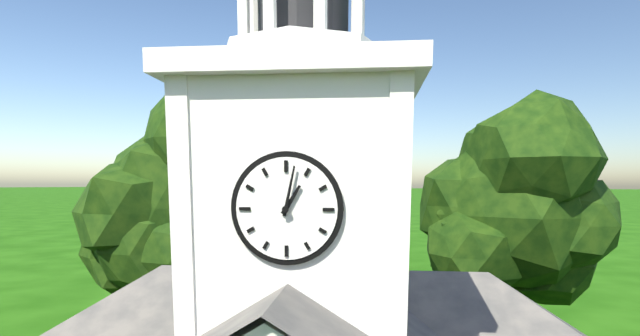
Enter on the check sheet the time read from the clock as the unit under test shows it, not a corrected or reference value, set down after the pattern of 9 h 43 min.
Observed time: 1 h 02 min
